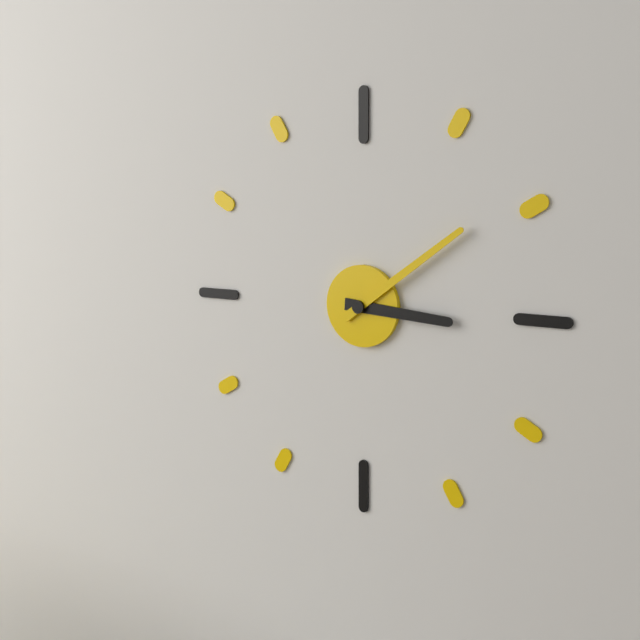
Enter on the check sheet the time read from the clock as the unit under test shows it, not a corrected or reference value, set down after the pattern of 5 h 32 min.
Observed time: 3 h 09 min
